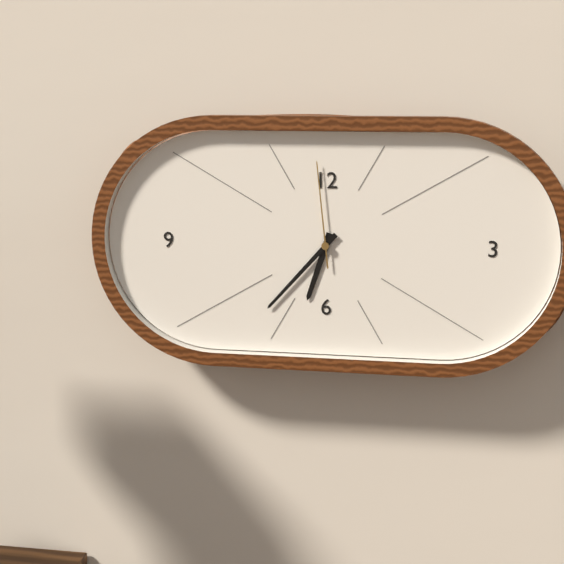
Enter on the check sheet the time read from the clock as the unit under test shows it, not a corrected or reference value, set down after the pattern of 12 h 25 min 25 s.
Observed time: 6 h 37 min 59 s
